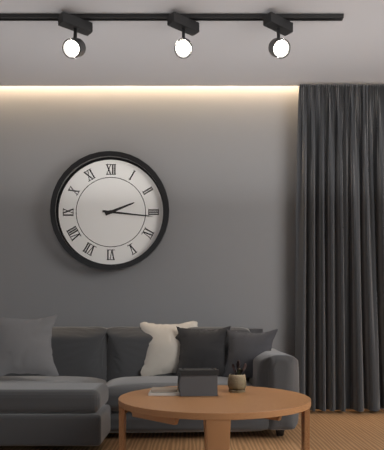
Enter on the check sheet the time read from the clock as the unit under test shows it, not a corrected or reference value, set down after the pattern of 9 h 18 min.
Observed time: 2 h 16 min
